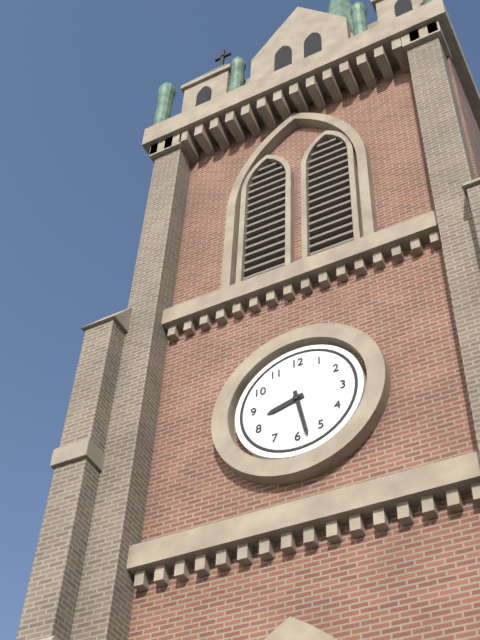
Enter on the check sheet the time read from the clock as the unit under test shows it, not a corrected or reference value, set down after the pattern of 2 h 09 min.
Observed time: 8 h 28 min
